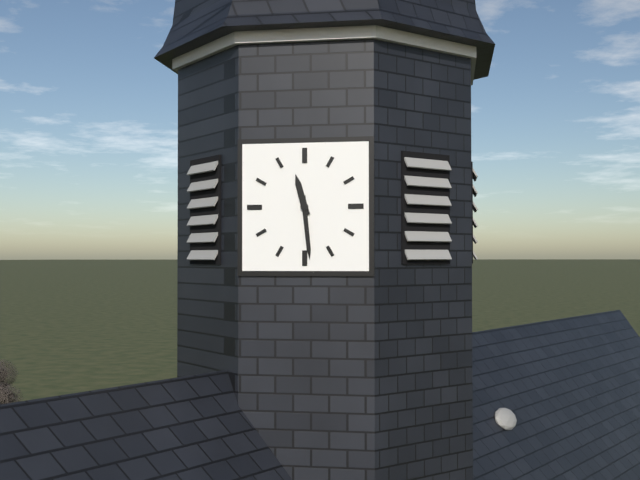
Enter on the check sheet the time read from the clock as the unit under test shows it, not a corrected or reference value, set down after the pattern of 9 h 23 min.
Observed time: 11 h 29 min
